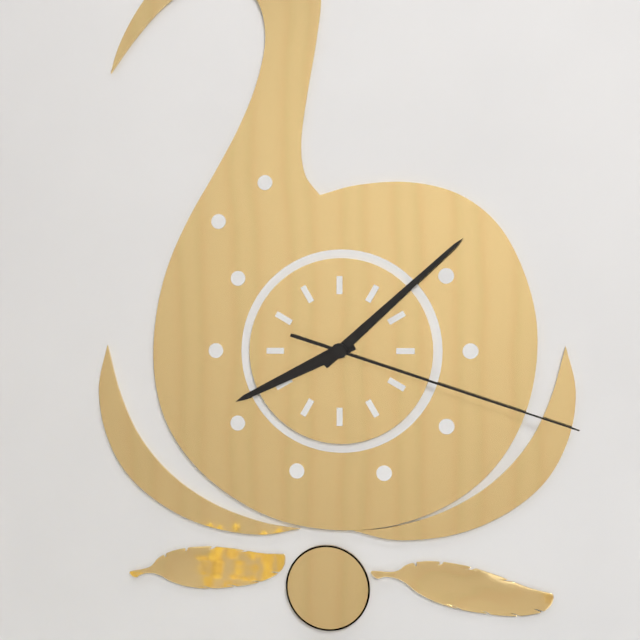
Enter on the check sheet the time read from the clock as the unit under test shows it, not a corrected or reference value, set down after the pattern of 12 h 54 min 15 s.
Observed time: 8 h 08 min 18 s
